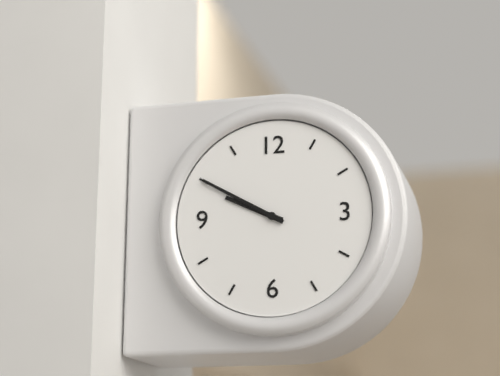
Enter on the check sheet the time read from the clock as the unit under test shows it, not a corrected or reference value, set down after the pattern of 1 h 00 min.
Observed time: 9 h 50 min
